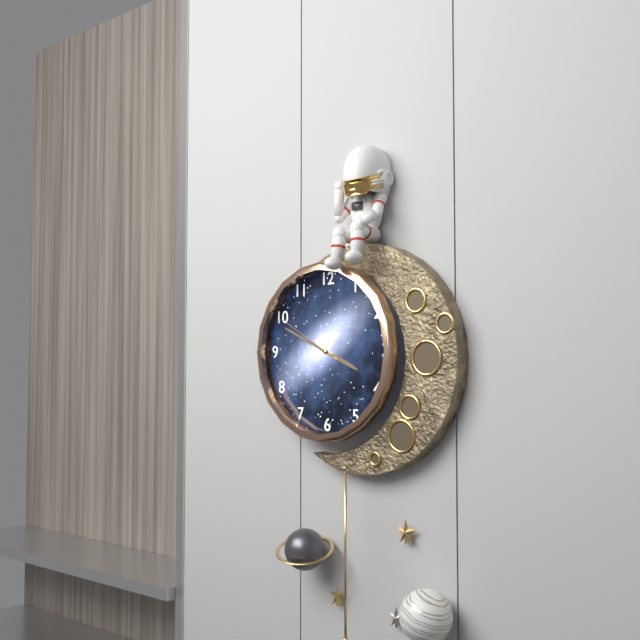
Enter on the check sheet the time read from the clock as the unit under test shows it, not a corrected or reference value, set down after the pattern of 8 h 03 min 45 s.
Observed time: 3 h 49 min 50 s
